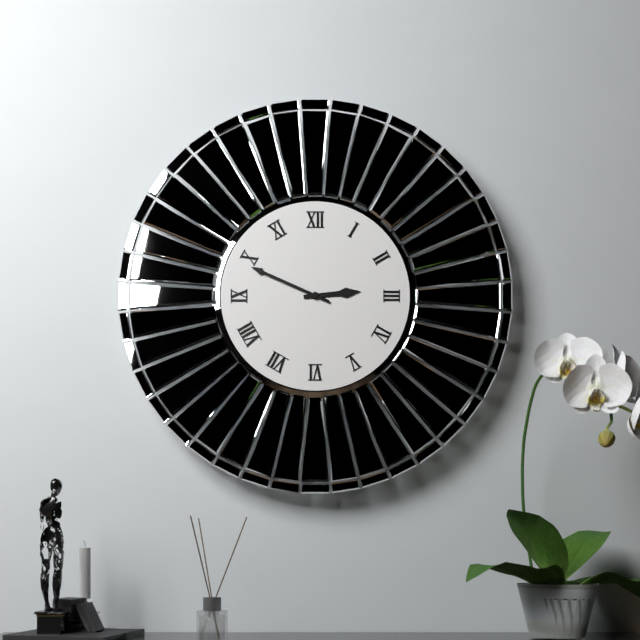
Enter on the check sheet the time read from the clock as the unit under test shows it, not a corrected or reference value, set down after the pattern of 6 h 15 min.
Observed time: 2 h 49 min
